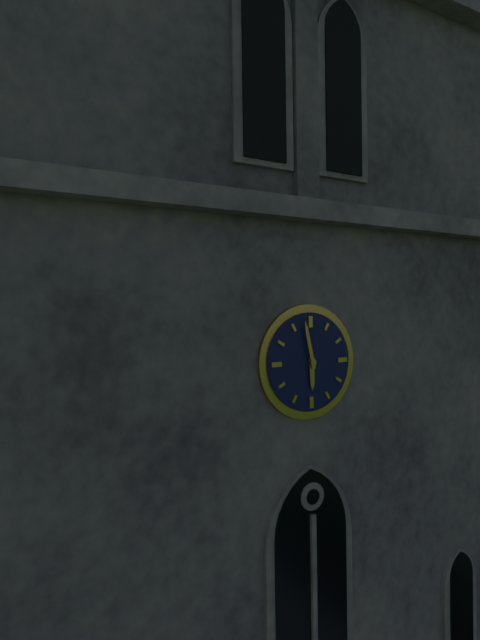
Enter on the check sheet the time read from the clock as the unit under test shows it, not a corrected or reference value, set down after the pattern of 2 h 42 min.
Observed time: 5 h 58 min
